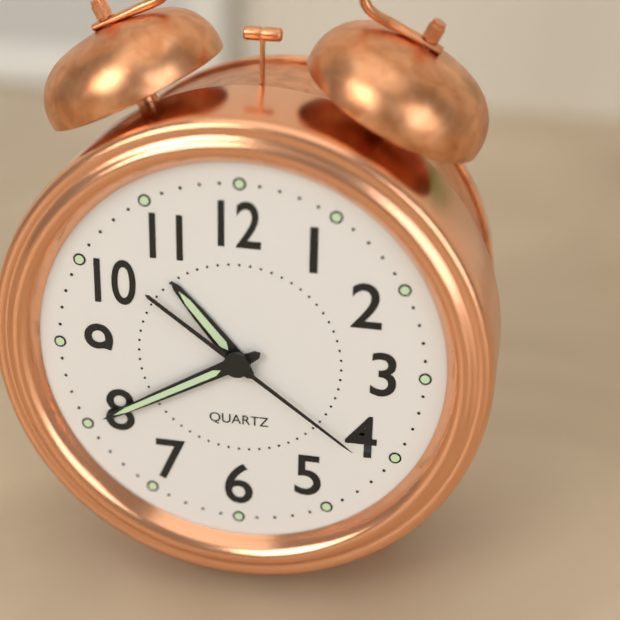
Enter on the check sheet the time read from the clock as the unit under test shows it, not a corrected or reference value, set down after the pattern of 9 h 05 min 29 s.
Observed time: 10 h 40 min 21 s
